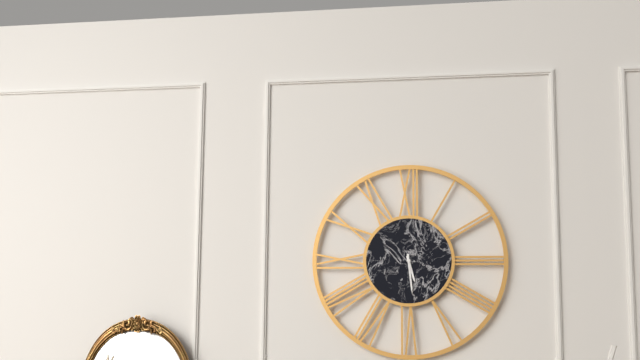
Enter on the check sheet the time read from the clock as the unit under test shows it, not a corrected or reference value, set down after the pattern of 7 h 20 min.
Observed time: 5 h 29 min
